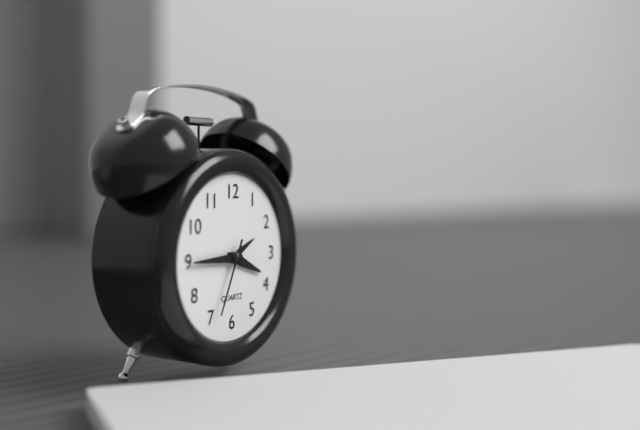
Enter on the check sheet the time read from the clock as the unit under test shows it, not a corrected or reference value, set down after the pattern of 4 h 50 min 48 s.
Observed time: 3 h 45 min 34 s
